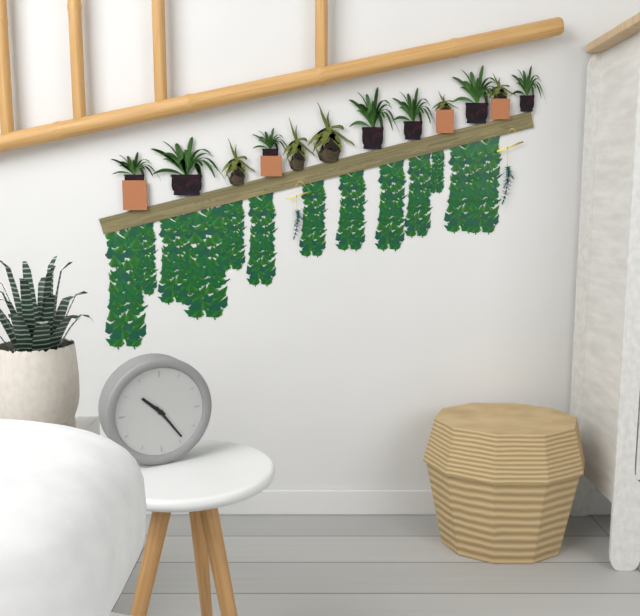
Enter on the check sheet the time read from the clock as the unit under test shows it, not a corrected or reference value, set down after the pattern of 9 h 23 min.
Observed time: 10 h 24 min
